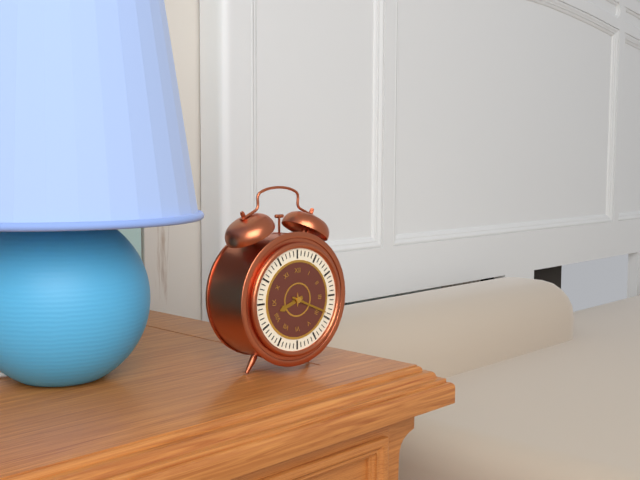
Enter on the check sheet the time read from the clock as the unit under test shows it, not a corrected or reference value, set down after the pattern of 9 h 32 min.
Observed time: 8 h 19 min
